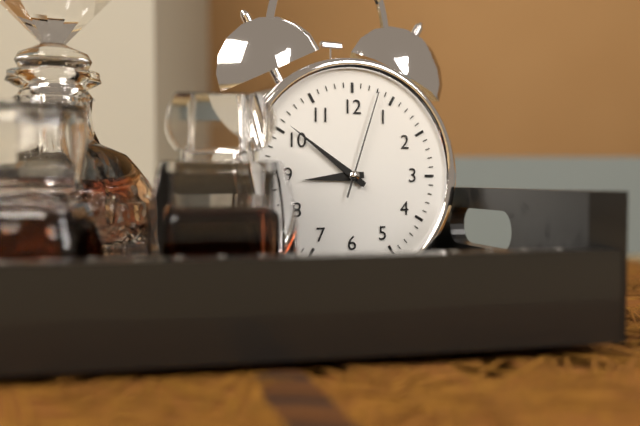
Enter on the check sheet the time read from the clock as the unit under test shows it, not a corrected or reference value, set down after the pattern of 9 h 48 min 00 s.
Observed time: 8 h 51 min 03 s
